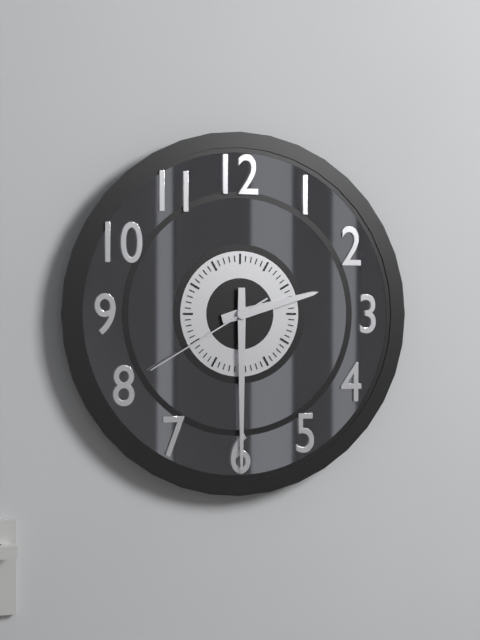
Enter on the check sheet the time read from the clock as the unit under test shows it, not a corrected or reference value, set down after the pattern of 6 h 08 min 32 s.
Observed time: 2 h 30 min 40 s
